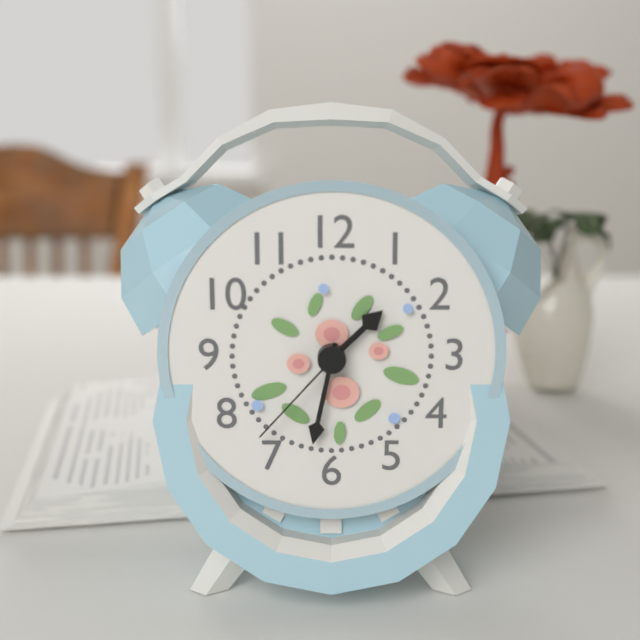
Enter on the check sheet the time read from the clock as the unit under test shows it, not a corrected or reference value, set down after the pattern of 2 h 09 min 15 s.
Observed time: 1 h 32 min 37 s
